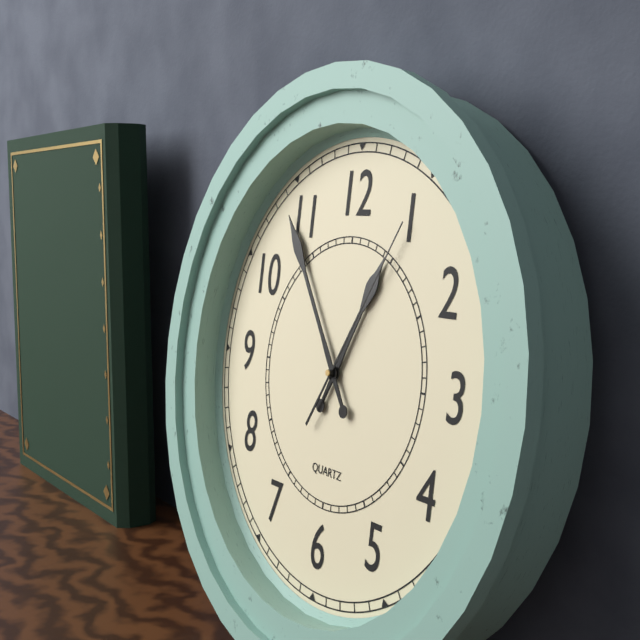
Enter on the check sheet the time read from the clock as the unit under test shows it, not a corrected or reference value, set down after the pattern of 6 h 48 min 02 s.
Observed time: 12 h 54 min 05 s
